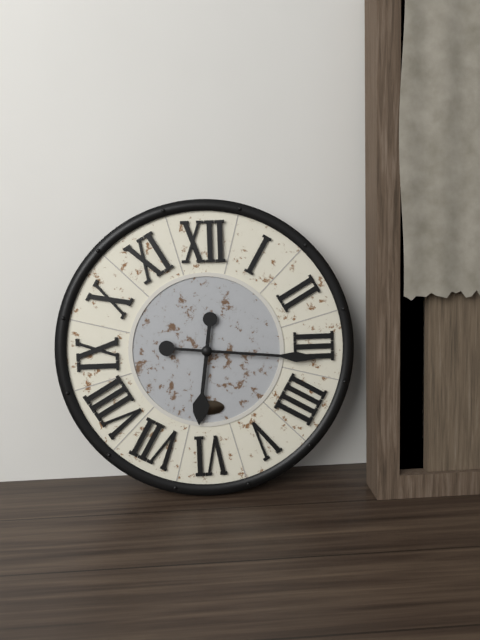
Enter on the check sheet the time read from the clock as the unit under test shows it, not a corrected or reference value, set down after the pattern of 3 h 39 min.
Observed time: 6 h 16 min
